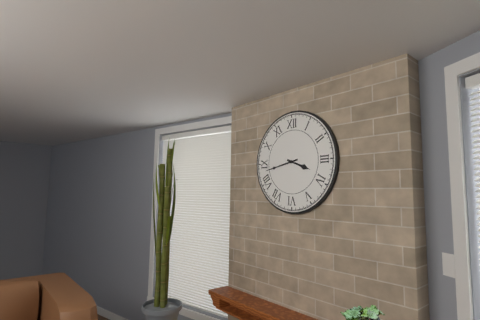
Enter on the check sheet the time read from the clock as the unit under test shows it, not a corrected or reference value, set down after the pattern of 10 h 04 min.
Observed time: 3 h 43 min
